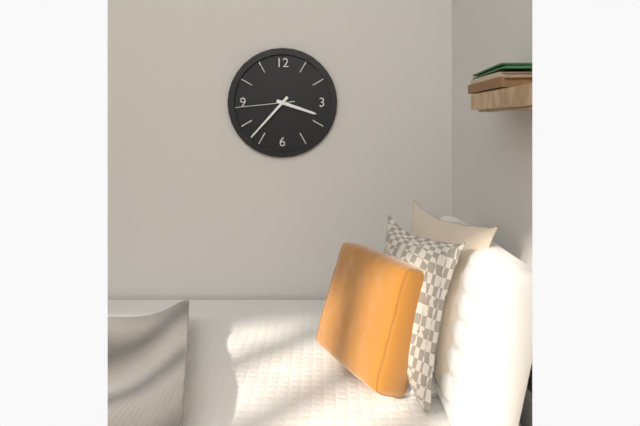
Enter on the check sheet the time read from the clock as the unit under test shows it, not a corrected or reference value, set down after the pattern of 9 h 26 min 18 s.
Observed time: 3 h 37 min 44 s
